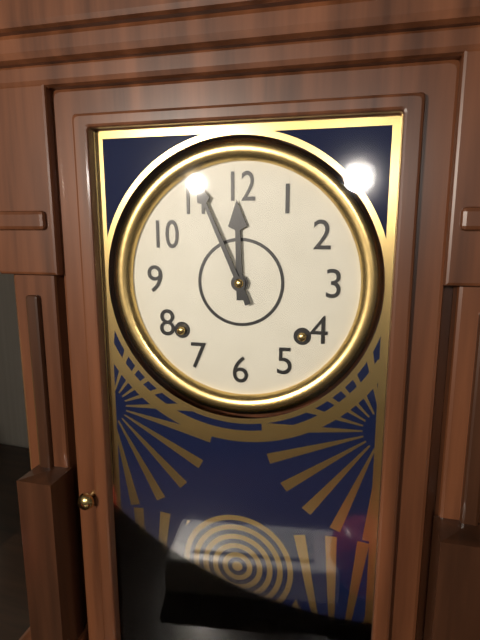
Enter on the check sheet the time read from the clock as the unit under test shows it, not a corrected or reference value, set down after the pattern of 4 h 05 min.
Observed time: 11 h 56 min
